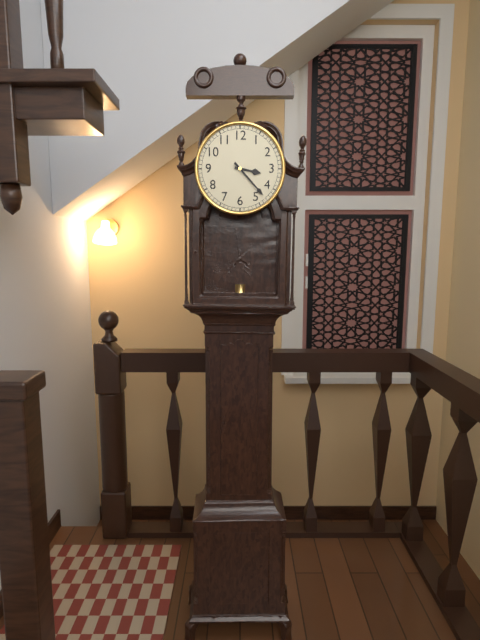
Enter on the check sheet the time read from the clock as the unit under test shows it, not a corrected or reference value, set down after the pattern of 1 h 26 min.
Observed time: 3 h 23 min
